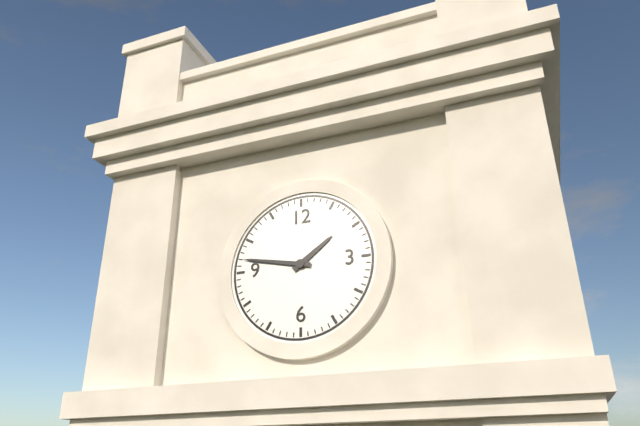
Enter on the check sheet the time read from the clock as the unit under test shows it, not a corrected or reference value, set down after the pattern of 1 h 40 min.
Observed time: 1 h 47 min
